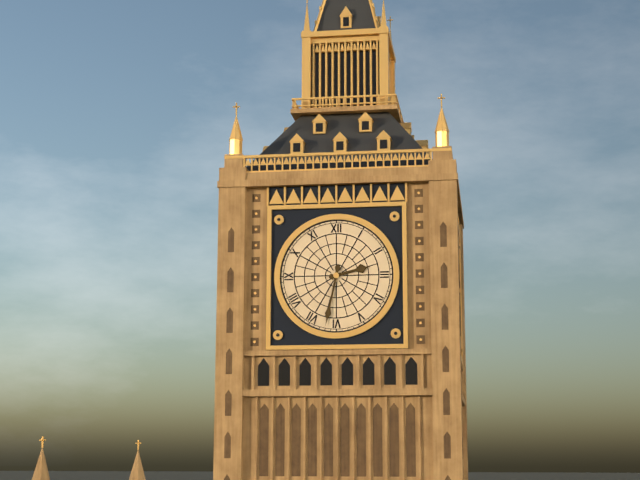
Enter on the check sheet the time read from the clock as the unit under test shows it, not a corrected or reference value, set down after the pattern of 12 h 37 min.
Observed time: 2 h 32 min
